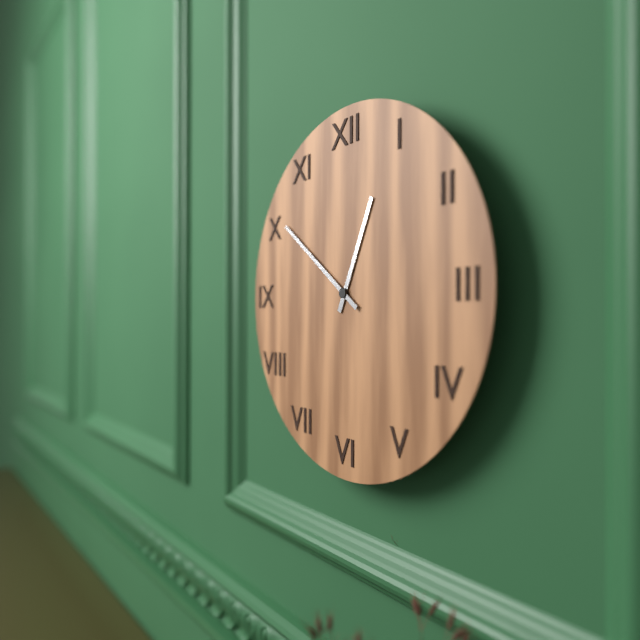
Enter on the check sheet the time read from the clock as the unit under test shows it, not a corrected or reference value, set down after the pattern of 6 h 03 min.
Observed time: 12 h 51 min
